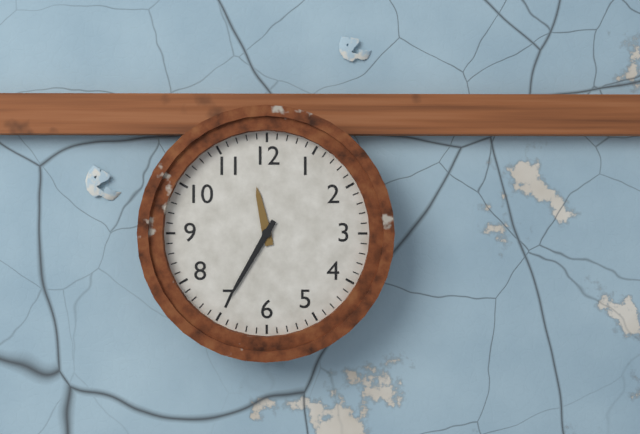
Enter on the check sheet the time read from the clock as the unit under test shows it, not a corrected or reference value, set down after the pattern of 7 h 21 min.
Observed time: 11 h 35 min
